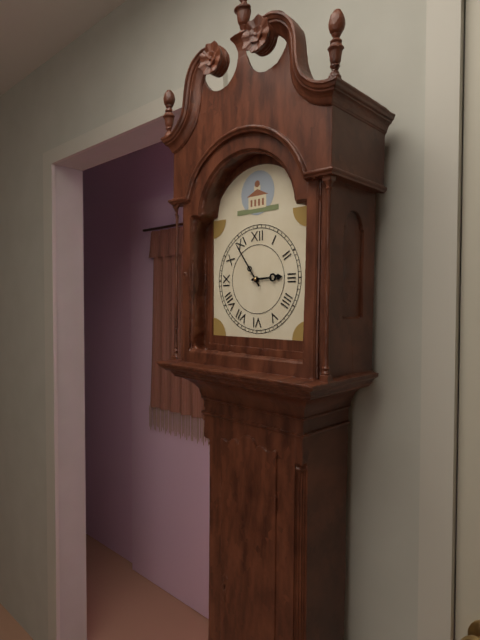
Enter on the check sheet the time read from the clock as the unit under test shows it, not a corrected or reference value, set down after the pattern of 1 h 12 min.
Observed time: 2 h 54 min
